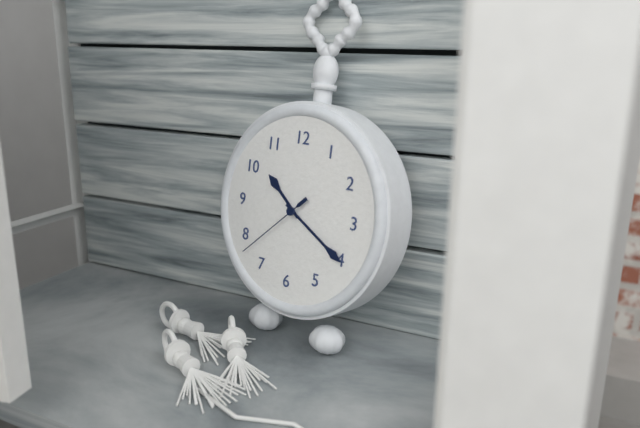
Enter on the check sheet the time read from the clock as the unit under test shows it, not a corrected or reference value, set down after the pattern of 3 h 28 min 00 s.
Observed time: 10 h 20 min 38 s
